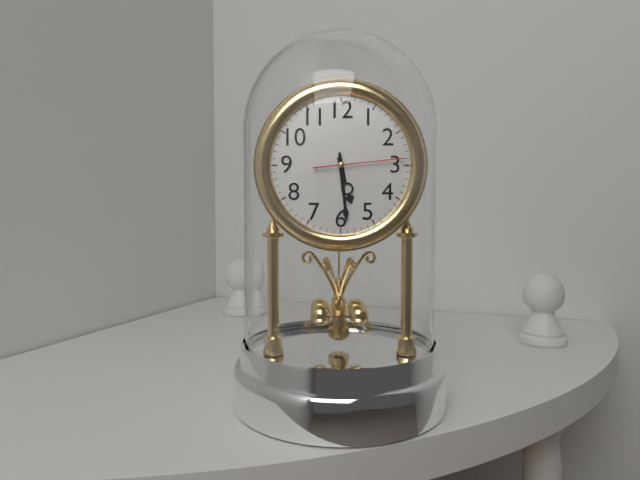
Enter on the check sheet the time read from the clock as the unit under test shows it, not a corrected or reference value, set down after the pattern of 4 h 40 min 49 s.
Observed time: 5 h 29 min 14 s
